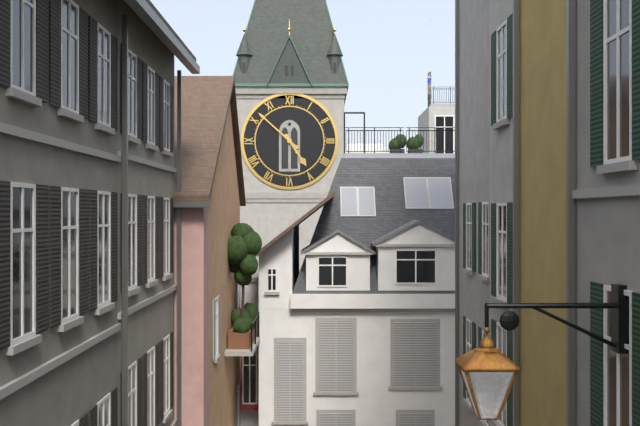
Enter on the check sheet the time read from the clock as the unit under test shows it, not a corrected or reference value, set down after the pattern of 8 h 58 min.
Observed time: 4 h 52 min
